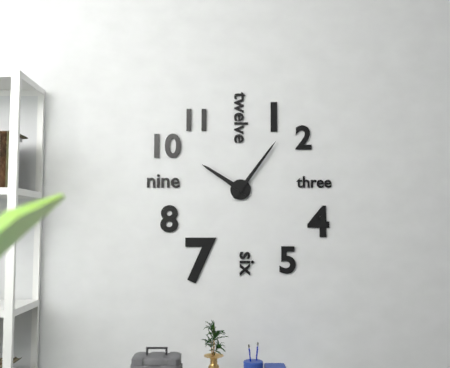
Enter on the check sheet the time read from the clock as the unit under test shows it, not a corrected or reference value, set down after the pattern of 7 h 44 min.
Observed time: 10 h 06 min
